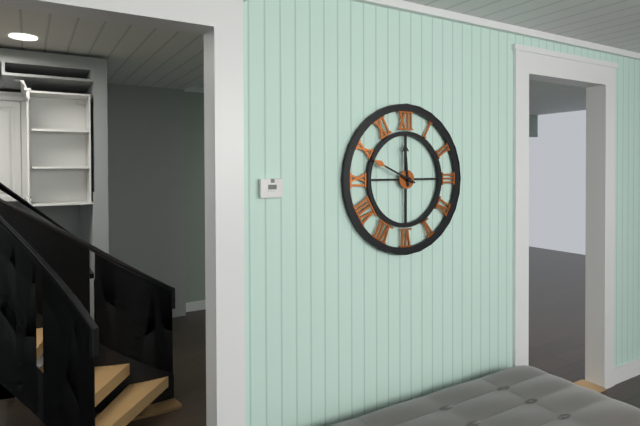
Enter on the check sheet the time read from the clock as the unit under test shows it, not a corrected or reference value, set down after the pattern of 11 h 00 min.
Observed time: 11 h 49 min
